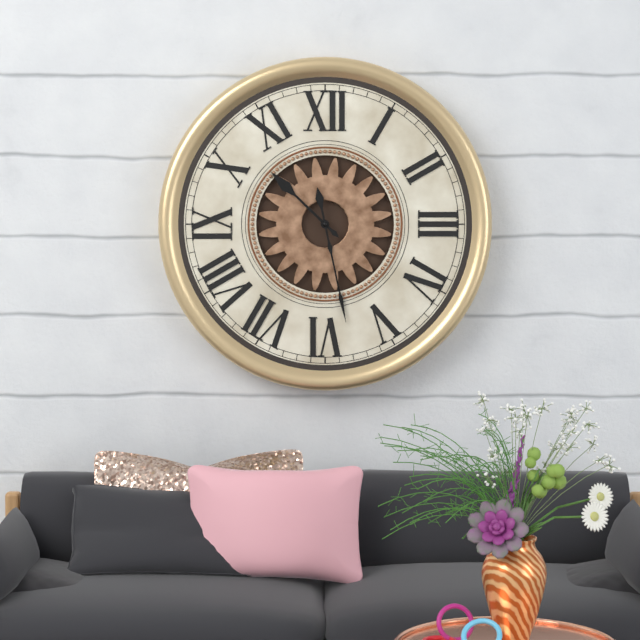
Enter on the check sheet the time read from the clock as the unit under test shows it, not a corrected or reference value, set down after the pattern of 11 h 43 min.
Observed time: 10 h 28 min
